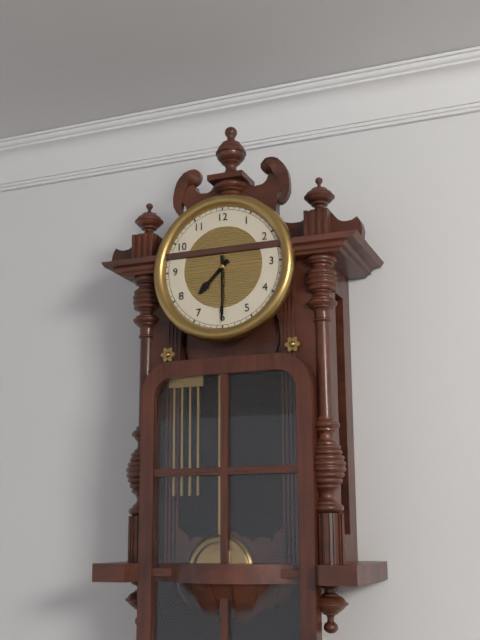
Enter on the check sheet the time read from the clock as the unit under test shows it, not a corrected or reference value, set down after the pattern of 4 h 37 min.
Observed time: 7 h 30 min
